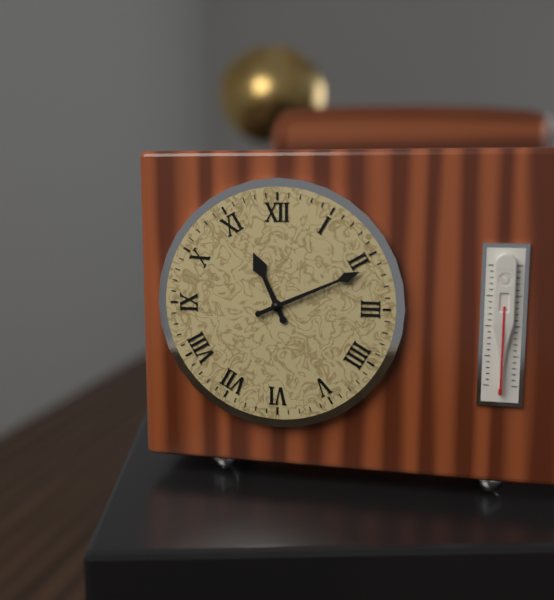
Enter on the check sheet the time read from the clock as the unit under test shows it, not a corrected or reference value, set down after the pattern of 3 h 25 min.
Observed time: 11 h 11 min
